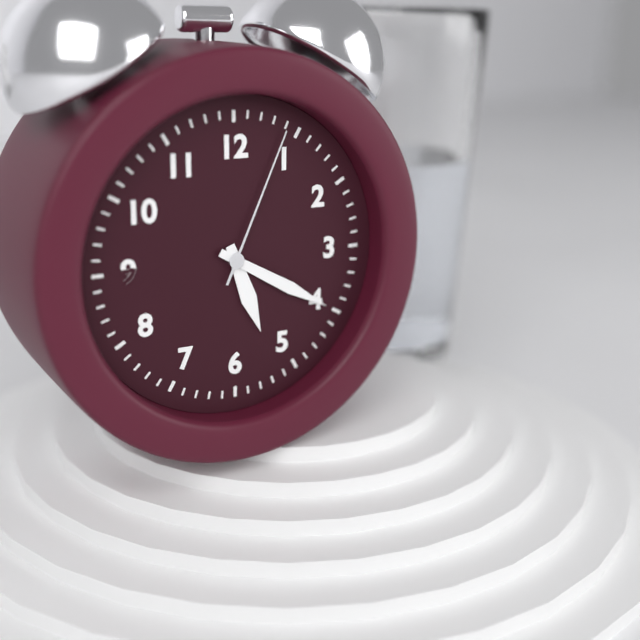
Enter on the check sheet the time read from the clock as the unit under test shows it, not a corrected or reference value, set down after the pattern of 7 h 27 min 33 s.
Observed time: 5 h 20 min 04 s
